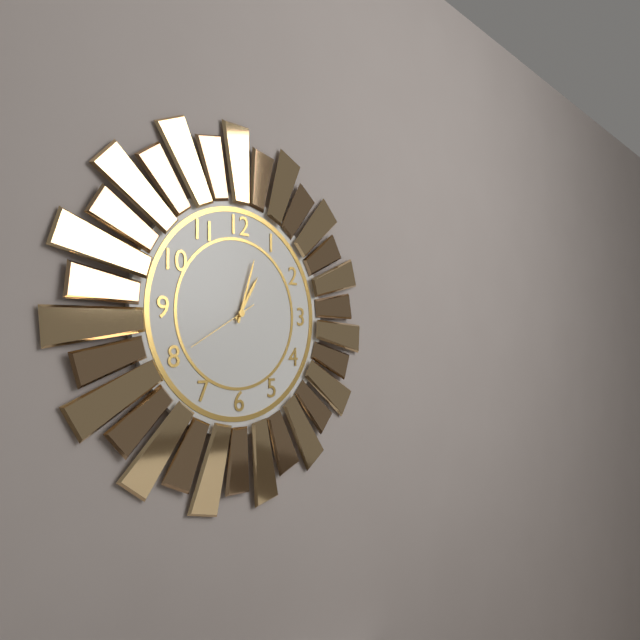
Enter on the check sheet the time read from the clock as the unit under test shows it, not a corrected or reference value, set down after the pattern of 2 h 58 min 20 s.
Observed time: 1 h 03 min 40 s
